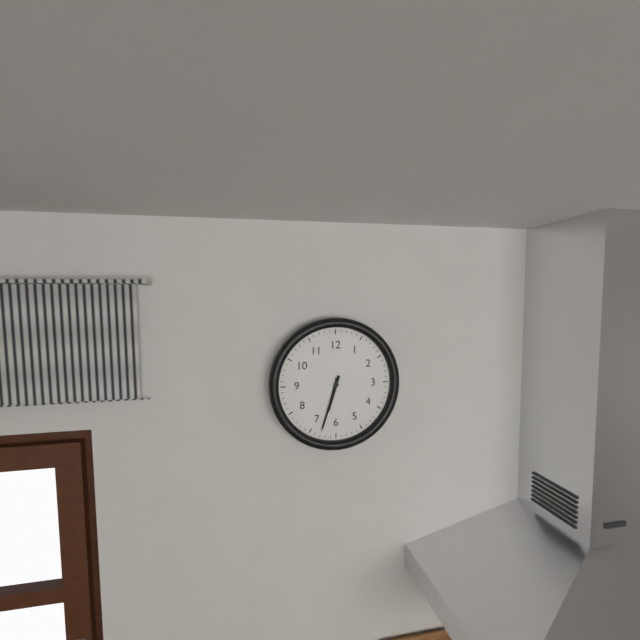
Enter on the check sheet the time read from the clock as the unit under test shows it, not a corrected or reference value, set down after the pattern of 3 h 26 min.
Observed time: 6 h 33 min
